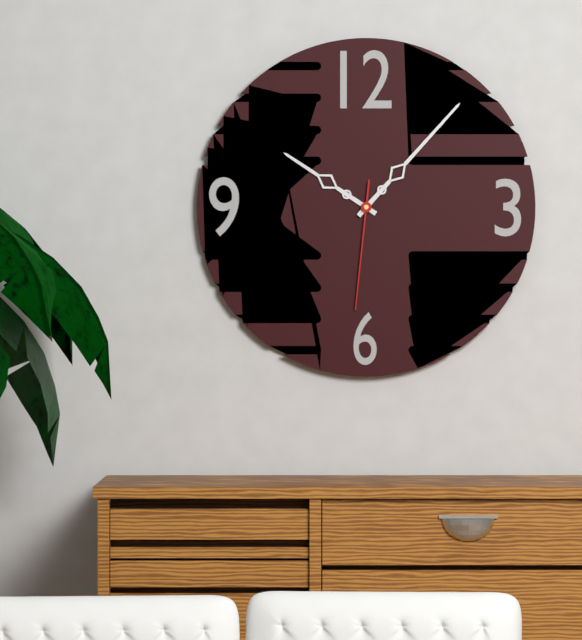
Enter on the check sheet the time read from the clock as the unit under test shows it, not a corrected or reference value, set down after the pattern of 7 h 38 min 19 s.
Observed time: 10 h 07 min 31 s
